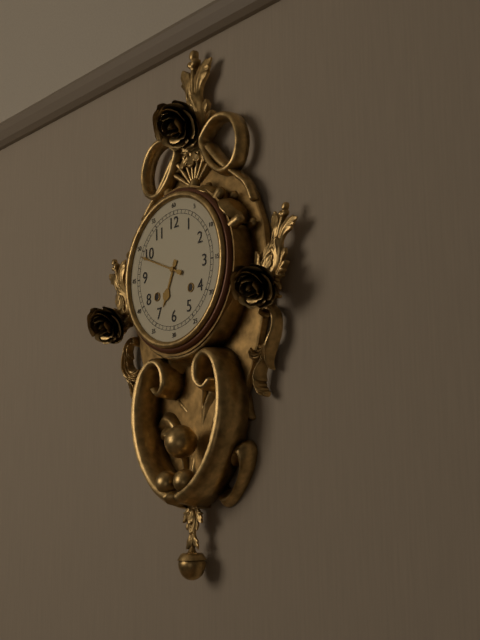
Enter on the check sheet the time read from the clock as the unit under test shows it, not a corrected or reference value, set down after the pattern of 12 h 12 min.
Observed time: 6 h 49 min
